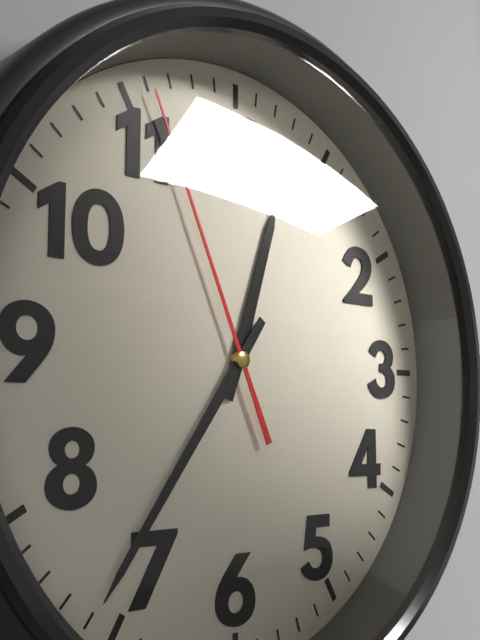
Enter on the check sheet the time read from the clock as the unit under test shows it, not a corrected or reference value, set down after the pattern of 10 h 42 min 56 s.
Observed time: 12 h 36 min 56 s
